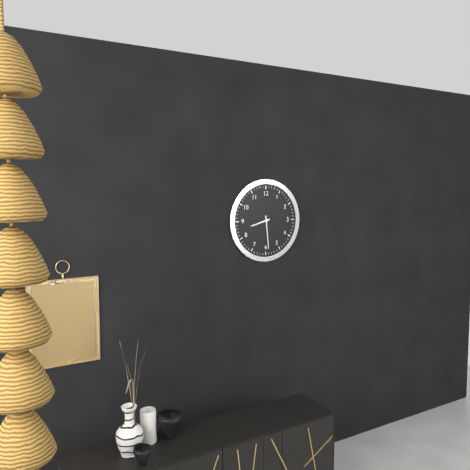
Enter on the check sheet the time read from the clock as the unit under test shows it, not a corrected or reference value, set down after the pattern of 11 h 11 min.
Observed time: 8 h 29 min
